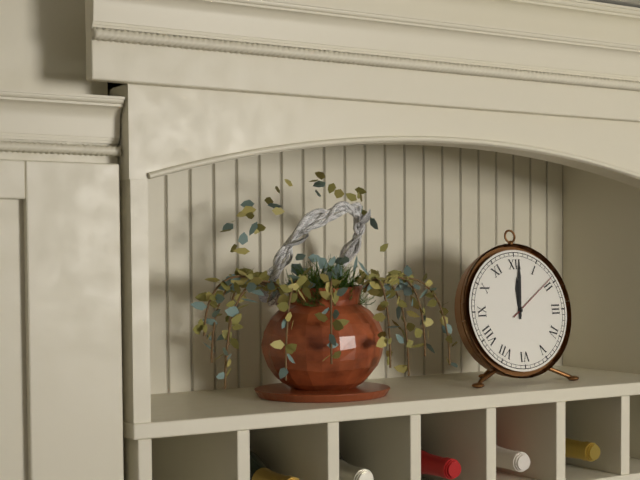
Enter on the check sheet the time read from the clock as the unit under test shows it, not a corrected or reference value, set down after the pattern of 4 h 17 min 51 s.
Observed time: 12 h 01 min 09 s
